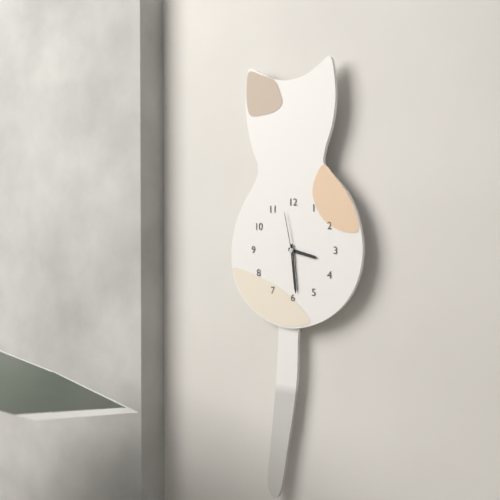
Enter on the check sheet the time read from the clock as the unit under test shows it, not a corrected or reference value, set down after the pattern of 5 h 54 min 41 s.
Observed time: 3 h 29 min 58 s
